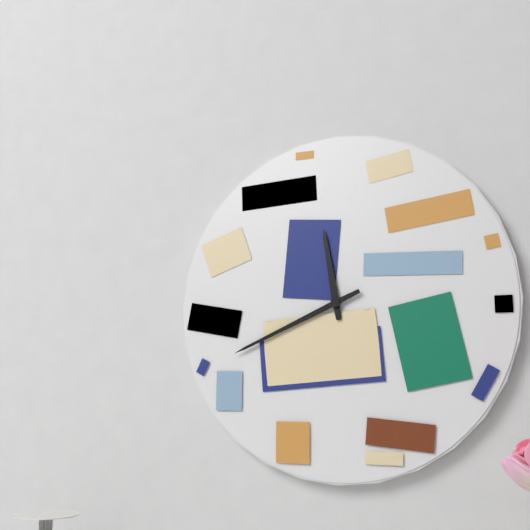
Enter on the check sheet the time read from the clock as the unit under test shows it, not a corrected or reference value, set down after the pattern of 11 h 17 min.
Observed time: 11 h 41 min
